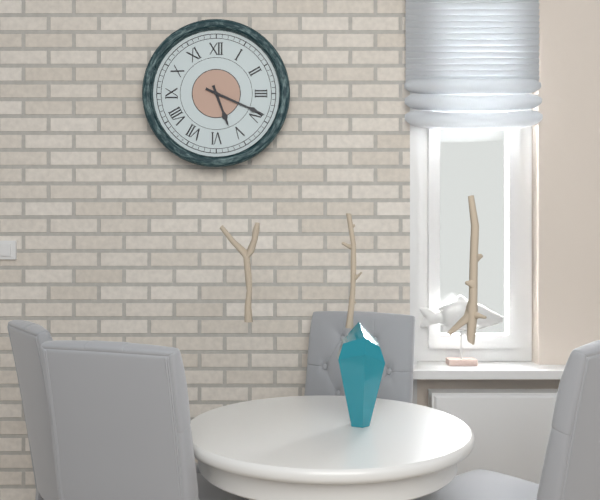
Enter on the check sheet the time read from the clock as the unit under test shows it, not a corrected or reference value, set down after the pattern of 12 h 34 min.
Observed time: 5 h 19 min
